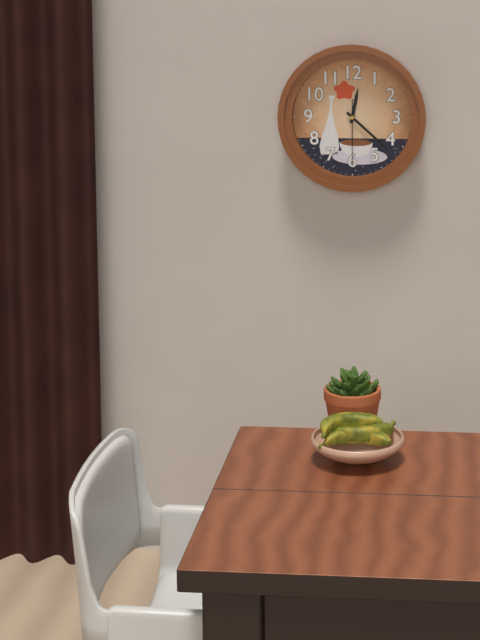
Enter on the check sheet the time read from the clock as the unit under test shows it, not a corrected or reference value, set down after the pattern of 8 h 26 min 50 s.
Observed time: 12 h 22 min 30 s
